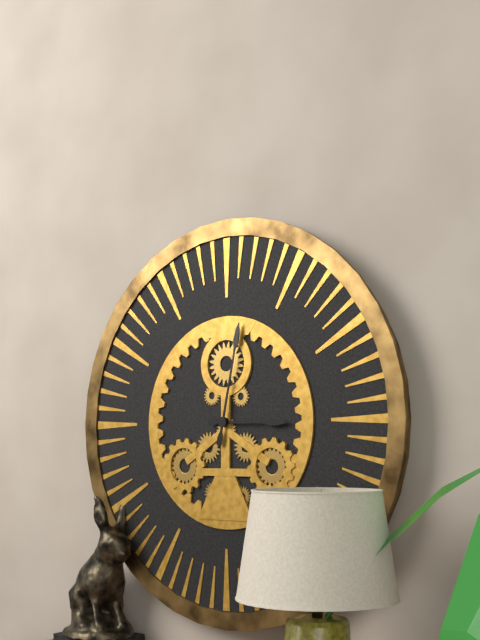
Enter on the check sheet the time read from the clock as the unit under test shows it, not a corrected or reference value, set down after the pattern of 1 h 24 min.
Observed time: 3 h 02 min
